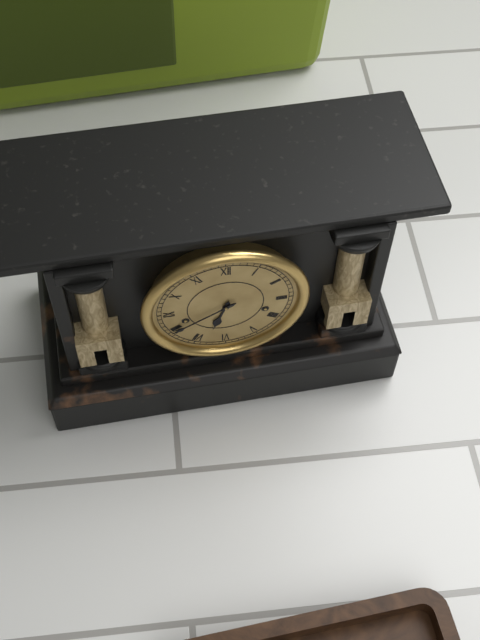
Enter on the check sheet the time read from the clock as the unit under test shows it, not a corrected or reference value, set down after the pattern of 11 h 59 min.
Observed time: 6 h 40 min
